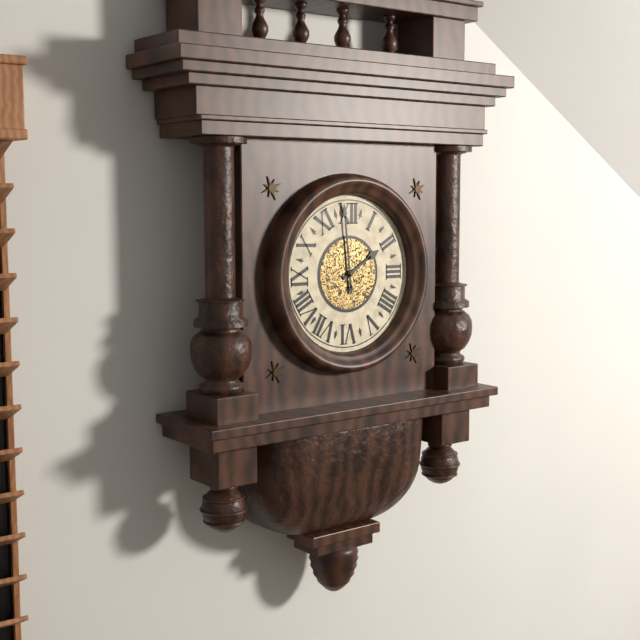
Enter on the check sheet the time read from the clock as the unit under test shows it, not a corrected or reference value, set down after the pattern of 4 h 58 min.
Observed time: 1 h 59 min
